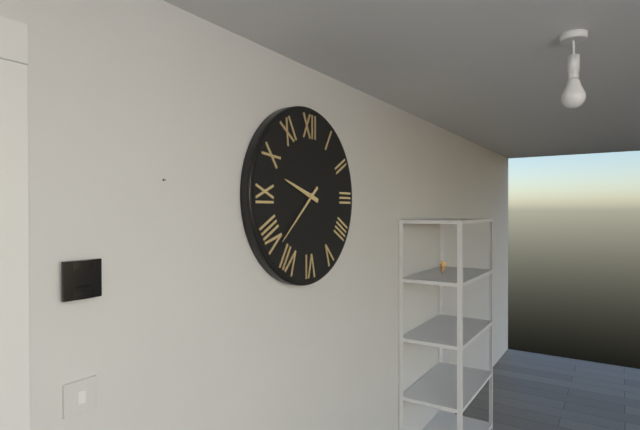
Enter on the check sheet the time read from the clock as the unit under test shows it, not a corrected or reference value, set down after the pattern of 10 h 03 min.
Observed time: 9 h 38 min
